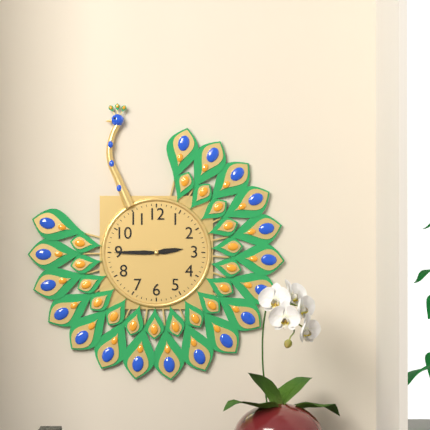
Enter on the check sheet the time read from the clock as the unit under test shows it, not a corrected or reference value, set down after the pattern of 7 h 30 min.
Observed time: 2 h 45 min
